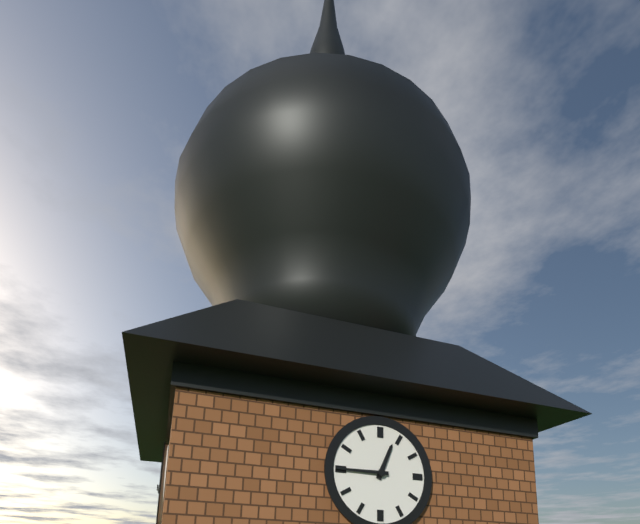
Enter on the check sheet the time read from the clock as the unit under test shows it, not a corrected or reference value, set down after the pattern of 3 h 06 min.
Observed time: 12 h 45 min
